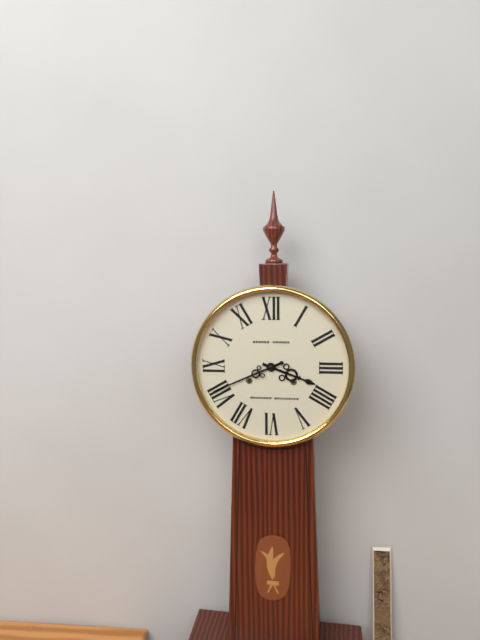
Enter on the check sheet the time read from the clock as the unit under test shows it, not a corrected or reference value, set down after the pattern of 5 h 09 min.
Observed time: 3 h 41 min
